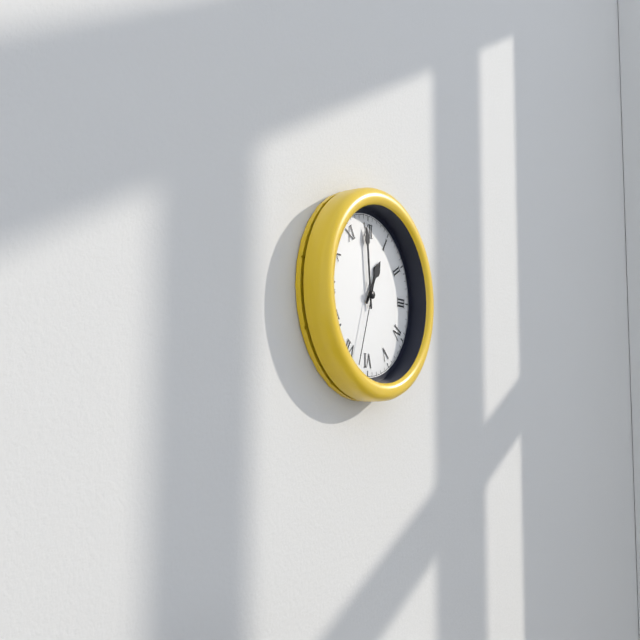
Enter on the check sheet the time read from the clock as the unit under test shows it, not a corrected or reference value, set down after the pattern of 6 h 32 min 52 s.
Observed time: 12 h 59 min 33 s
